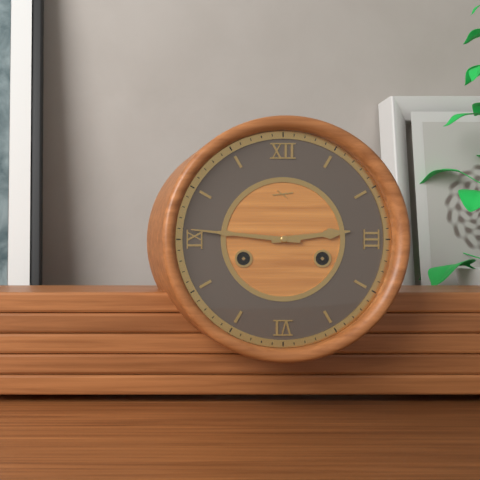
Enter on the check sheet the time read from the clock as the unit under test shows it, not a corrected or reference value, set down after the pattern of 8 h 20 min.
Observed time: 2 h 46 min
